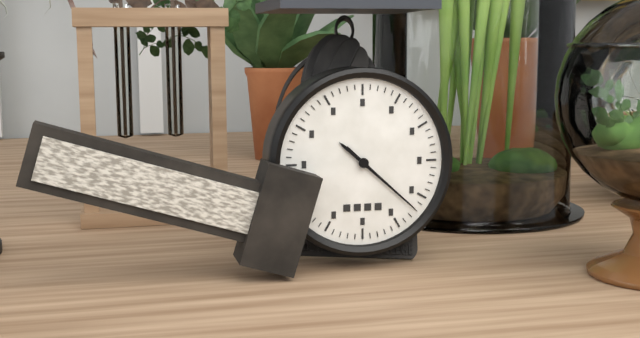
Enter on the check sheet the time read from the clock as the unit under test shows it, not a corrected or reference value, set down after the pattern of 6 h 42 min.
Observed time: 10 h 22 min
